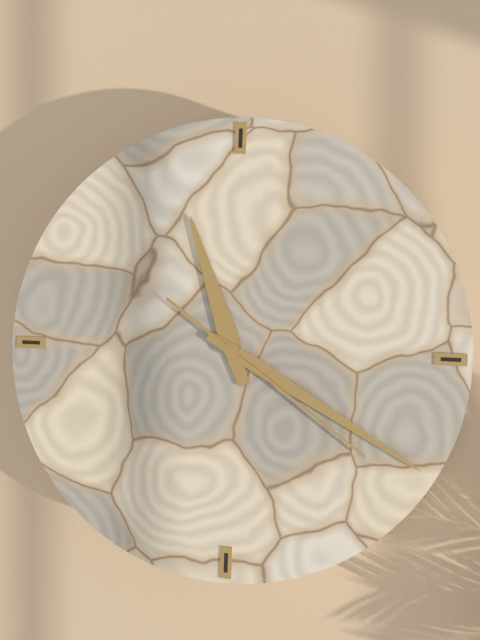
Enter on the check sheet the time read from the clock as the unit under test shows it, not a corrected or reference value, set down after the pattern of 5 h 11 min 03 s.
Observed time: 11 h 20 min 21 s
